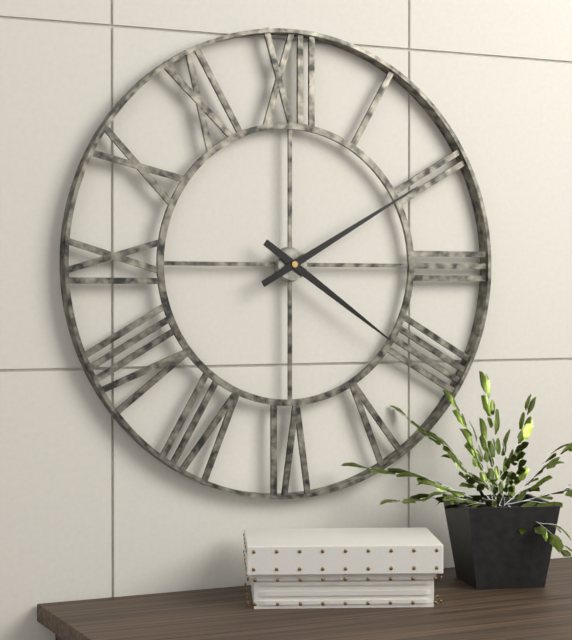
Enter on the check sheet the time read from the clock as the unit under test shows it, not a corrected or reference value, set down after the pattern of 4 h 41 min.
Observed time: 4 h 10 min
